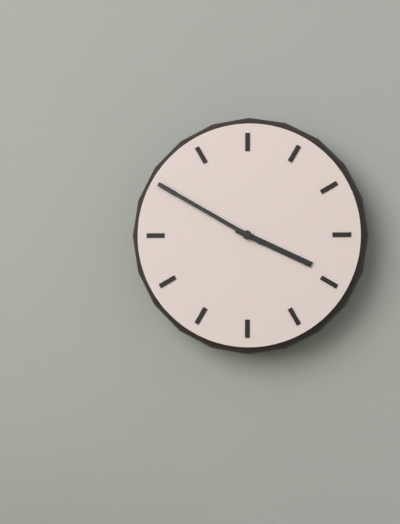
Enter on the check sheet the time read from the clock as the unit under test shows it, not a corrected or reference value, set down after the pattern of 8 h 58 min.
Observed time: 3 h 50 min
